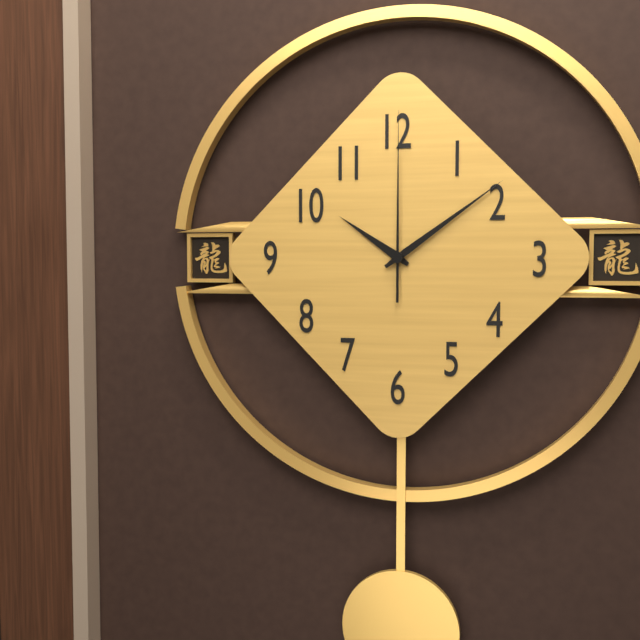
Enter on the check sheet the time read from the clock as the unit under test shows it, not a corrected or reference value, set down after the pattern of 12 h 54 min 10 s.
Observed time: 10 h 09 min 00 s
